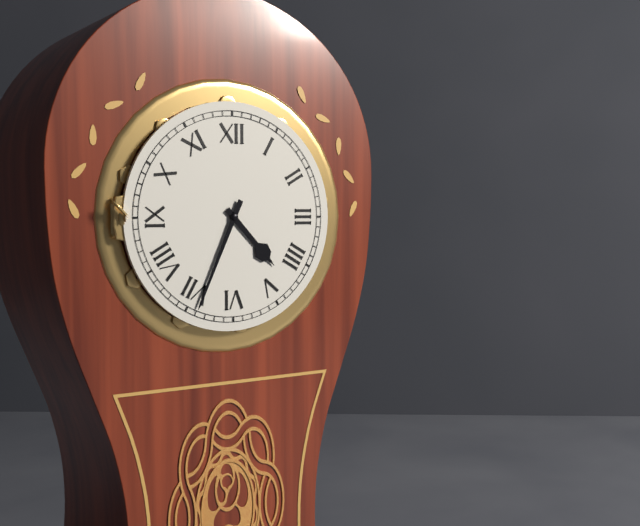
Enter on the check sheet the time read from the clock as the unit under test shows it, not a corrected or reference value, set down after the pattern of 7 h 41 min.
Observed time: 4 h 34 min
